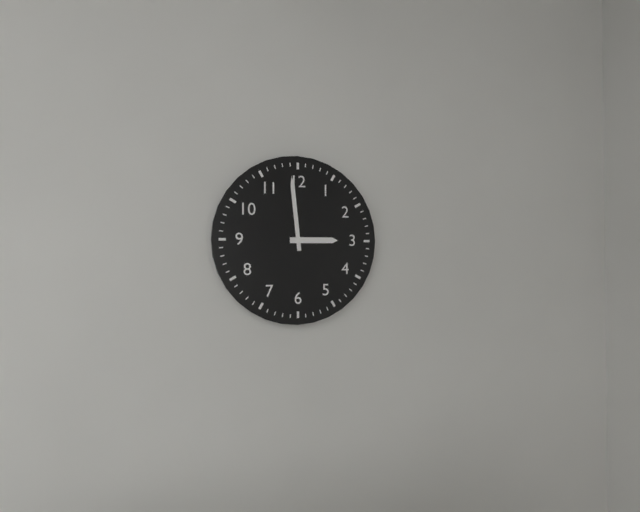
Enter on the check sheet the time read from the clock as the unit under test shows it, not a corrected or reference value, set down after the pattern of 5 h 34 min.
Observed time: 2 h 59 min
